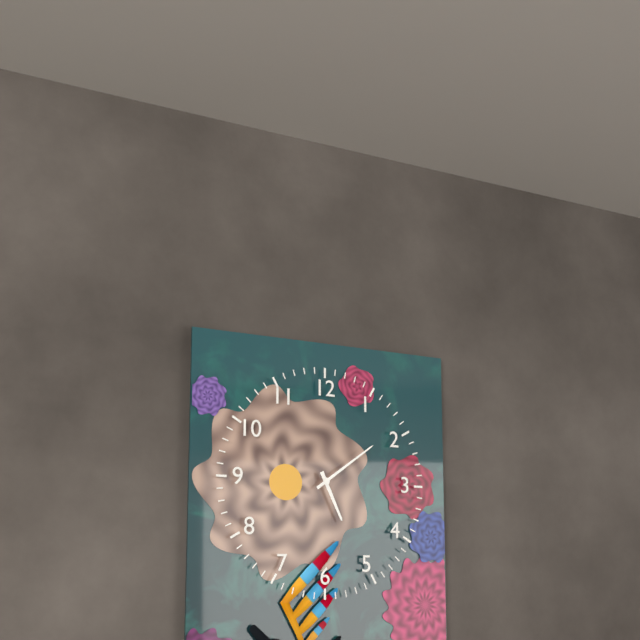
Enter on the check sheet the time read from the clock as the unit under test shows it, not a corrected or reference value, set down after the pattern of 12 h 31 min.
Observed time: 5 h 09 min
